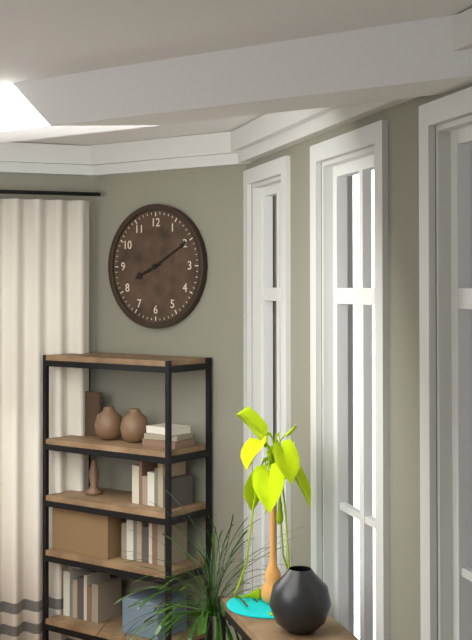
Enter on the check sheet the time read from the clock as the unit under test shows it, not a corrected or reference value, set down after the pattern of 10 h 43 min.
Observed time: 8 h 10 min
